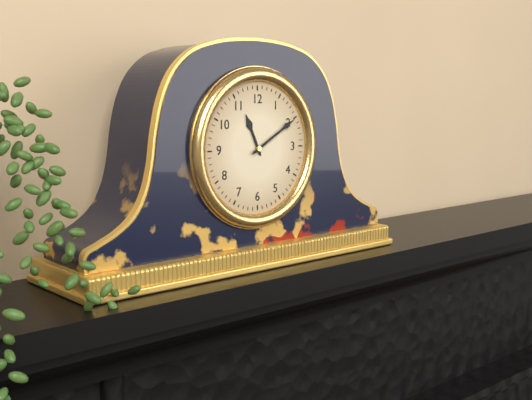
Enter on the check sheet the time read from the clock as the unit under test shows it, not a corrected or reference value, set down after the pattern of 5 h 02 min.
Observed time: 11 h 10 min
